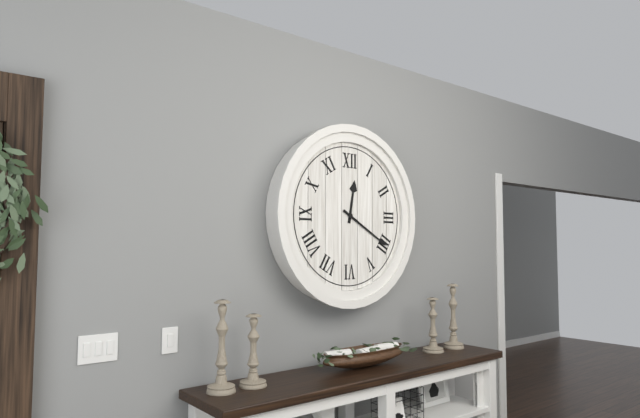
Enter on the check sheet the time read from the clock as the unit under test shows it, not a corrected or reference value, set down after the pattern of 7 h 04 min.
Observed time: 12 h 20 min
